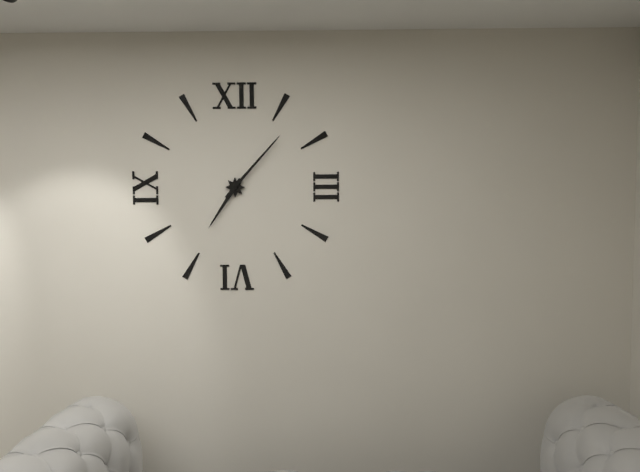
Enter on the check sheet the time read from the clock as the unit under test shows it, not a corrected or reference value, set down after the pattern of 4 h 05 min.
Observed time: 7 h 07 min
